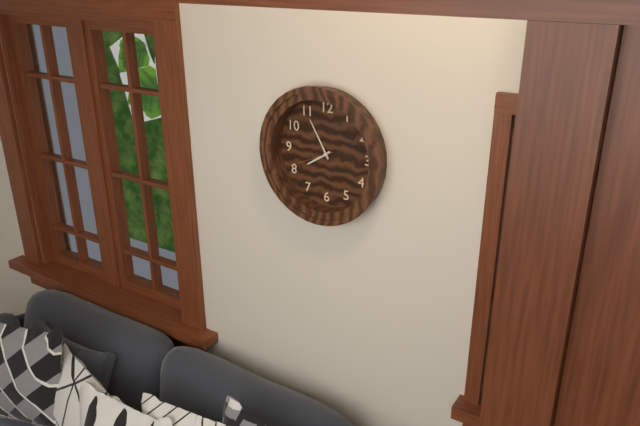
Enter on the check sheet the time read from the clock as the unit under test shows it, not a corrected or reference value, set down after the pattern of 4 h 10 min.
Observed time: 7 h 55 min
